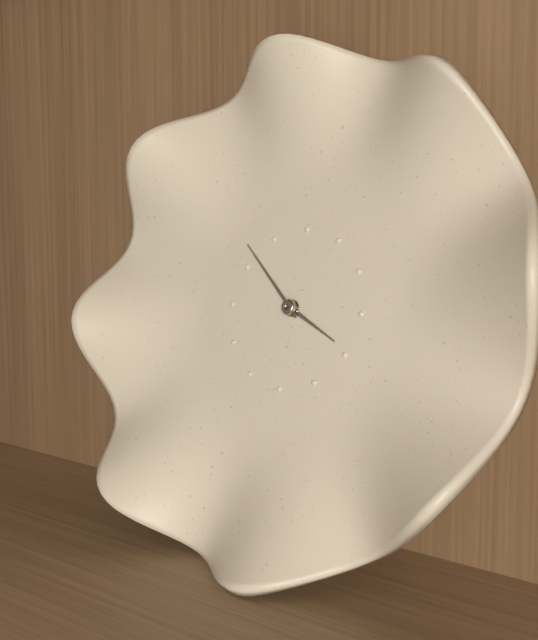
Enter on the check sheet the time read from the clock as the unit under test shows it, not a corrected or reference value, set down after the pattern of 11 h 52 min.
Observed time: 3 h 52 min
